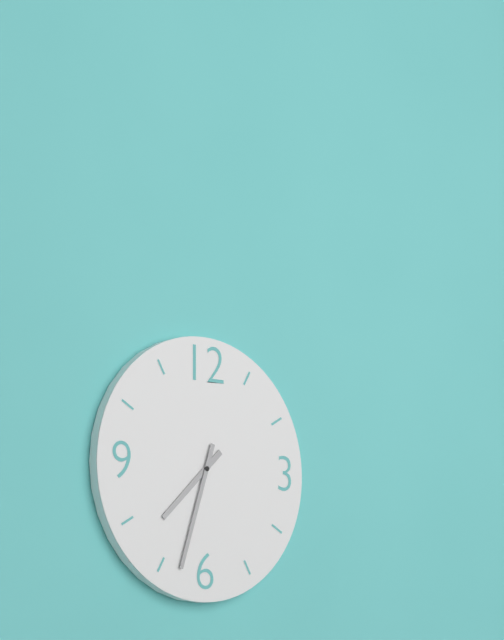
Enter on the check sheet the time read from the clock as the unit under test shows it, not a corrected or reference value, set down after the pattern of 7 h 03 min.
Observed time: 7 h 33 min
